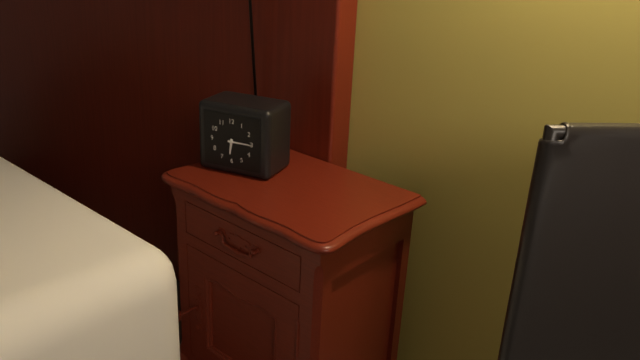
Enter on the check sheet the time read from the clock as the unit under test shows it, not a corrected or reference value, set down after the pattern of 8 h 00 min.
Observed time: 6 h 15 min
